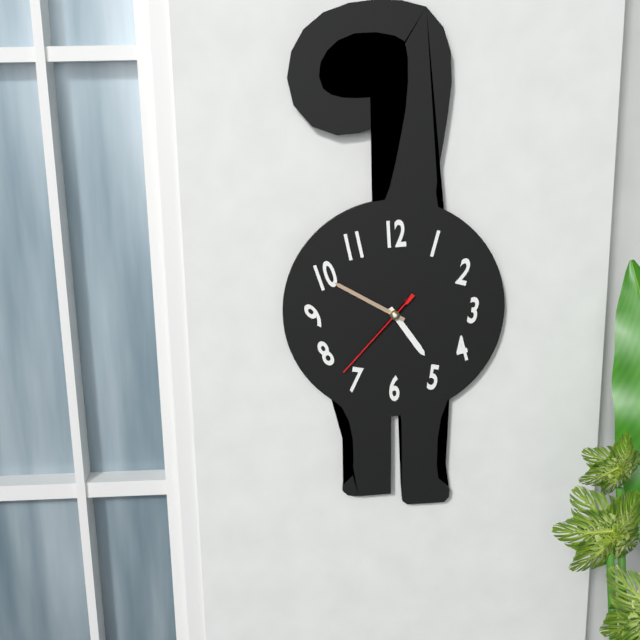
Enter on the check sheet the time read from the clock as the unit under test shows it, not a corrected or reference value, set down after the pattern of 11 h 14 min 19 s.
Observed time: 4 h 50 min 37 s
